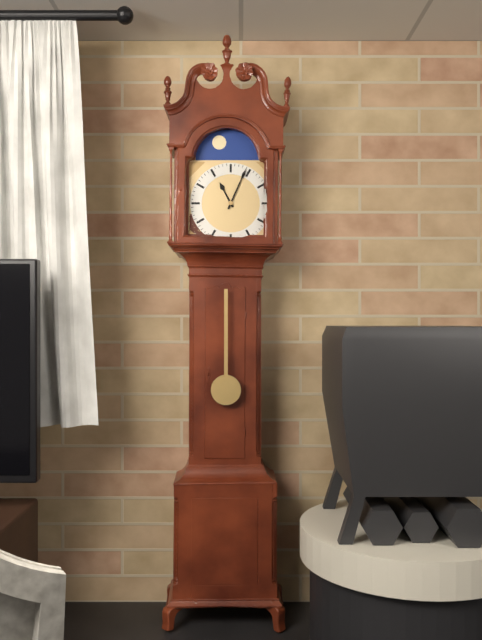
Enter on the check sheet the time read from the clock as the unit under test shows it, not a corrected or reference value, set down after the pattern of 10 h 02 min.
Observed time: 11 h 04 min
